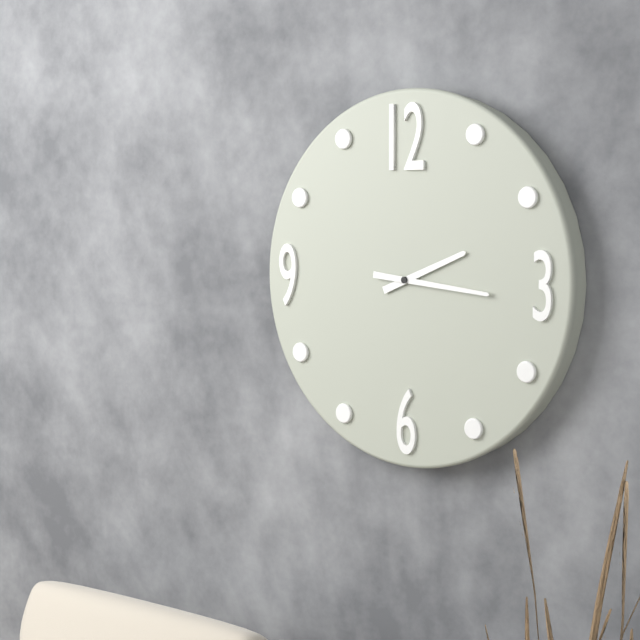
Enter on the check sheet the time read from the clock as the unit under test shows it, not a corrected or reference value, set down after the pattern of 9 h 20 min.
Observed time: 2 h 16 min
